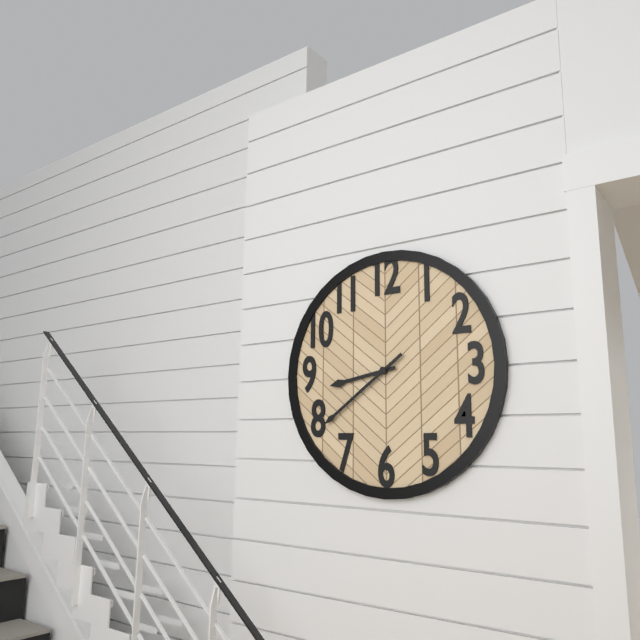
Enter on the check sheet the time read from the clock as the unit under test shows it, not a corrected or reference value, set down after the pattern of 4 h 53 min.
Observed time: 8 h 39 min
